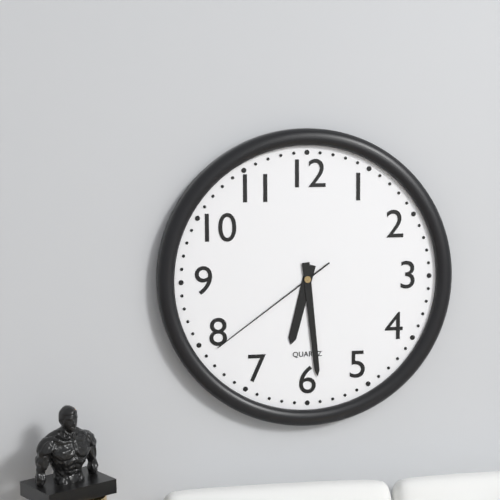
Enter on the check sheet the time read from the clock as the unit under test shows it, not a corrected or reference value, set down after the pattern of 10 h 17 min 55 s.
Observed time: 6 h 29 min 39 s
